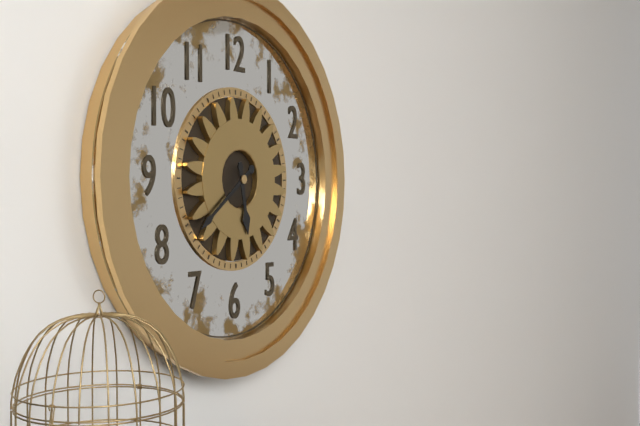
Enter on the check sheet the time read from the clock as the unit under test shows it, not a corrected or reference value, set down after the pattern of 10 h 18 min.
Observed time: 5 h 39 min
